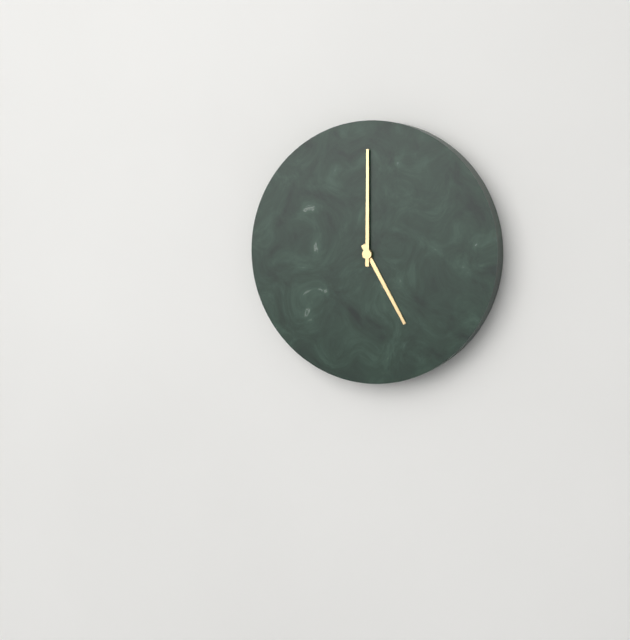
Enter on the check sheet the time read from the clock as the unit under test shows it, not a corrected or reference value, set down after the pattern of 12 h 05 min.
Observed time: 5 h 00 min
